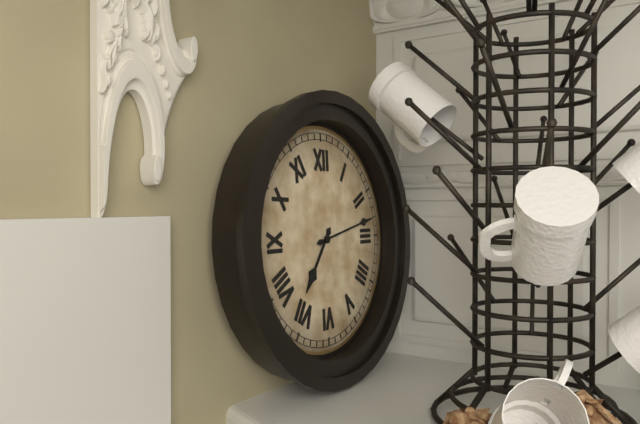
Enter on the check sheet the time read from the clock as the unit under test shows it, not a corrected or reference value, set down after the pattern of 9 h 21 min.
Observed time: 7 h 13 min
